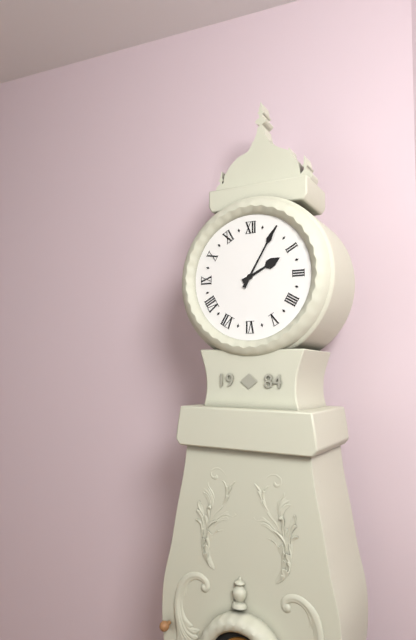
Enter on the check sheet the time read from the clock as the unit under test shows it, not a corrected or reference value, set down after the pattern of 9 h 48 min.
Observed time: 2 h 05 min
